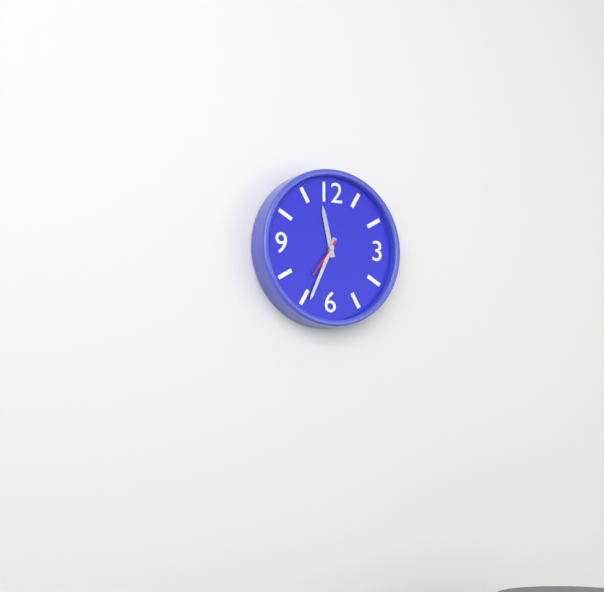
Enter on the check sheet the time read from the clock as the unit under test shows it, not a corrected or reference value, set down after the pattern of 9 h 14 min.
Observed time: 11 h 34 min
